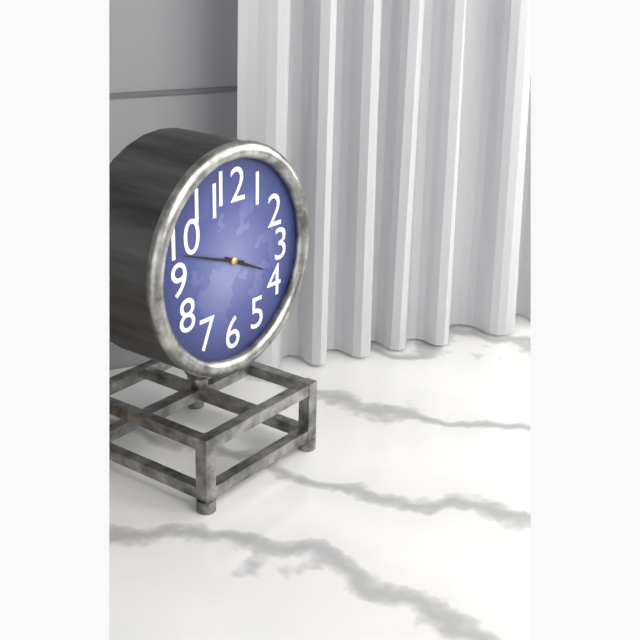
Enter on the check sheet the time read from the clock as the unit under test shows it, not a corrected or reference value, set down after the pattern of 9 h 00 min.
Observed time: 3 h 48 min
